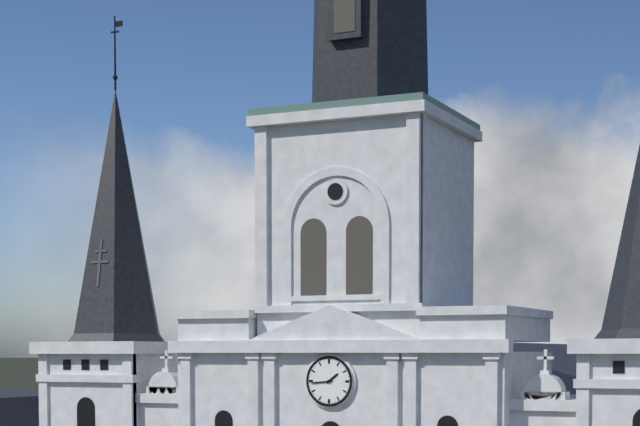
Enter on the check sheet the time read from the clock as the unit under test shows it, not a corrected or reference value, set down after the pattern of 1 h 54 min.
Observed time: 1 h 44 min
